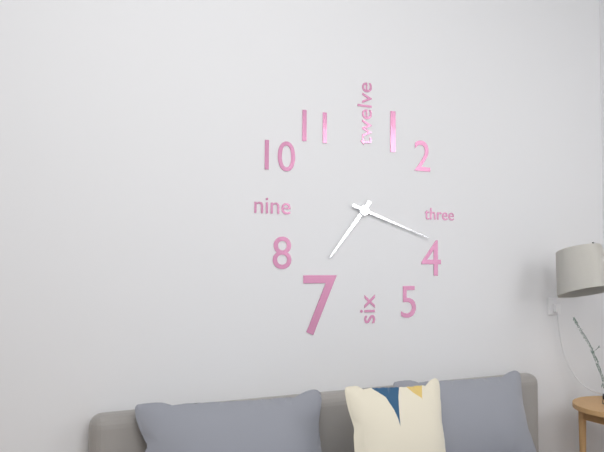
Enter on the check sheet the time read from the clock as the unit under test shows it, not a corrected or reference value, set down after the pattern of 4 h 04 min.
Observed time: 7 h 18 min
